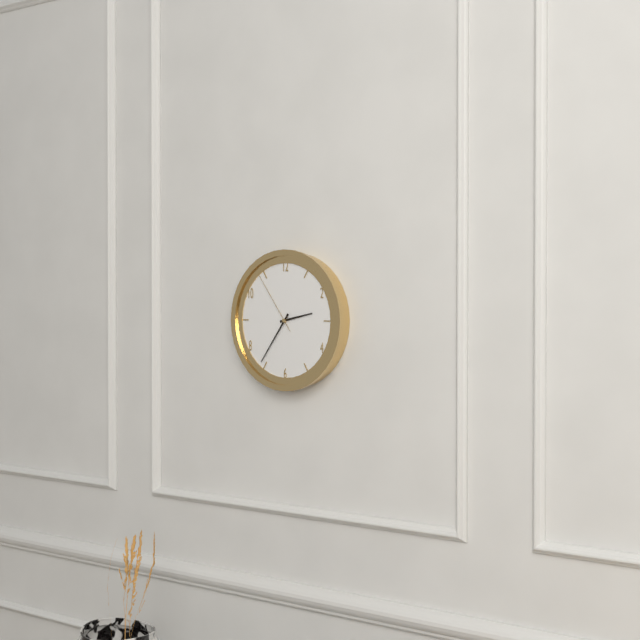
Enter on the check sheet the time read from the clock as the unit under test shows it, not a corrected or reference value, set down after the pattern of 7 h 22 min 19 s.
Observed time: 2 h 36 min 54 s
